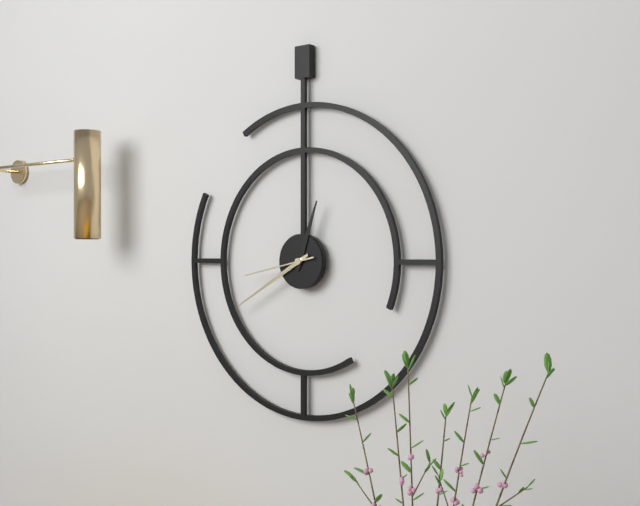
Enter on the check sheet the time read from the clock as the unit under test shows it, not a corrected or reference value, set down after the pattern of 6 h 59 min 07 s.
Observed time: 12 h 40 min 43 s
